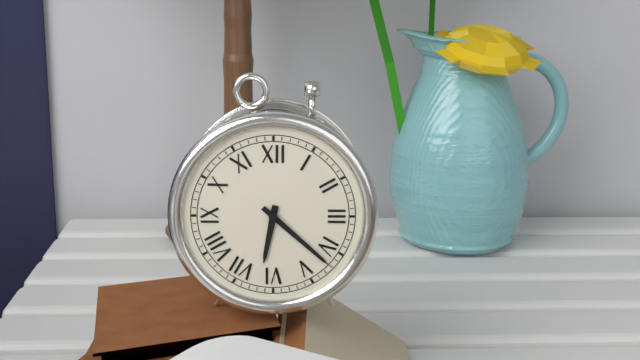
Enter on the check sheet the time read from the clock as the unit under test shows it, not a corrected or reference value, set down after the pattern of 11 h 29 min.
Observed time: 6 h 22 min
